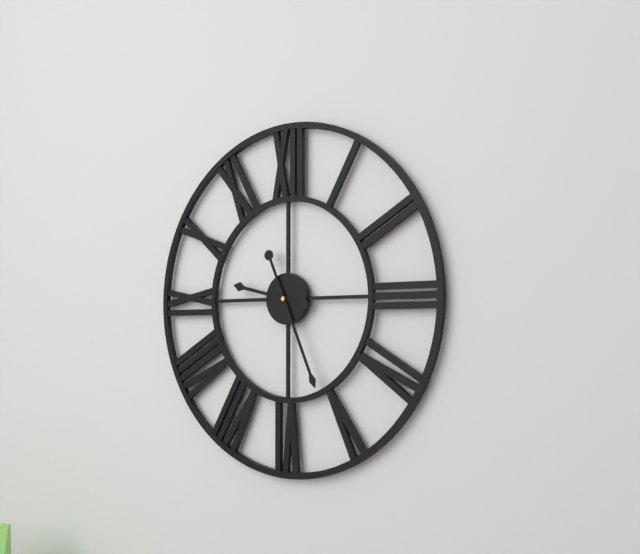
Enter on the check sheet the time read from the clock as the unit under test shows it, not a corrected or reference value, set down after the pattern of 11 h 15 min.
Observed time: 9 h 26 min
